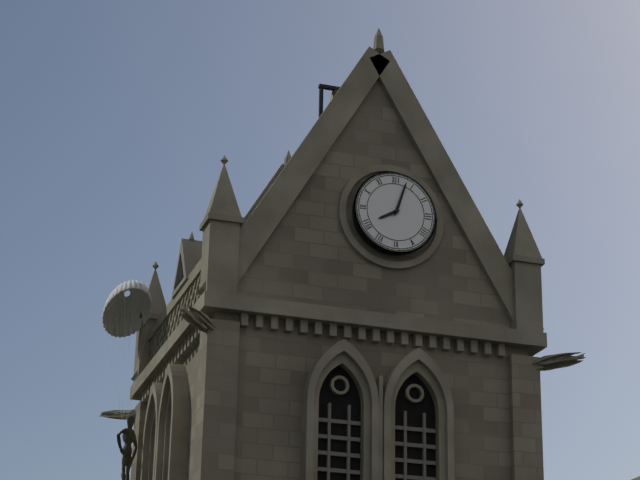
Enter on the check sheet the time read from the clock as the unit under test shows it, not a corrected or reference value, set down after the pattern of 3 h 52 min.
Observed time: 8 h 03 min
